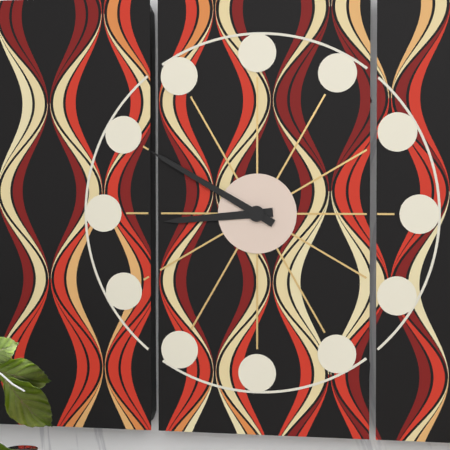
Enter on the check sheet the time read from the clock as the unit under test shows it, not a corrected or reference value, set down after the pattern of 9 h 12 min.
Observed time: 8 h 50 min
